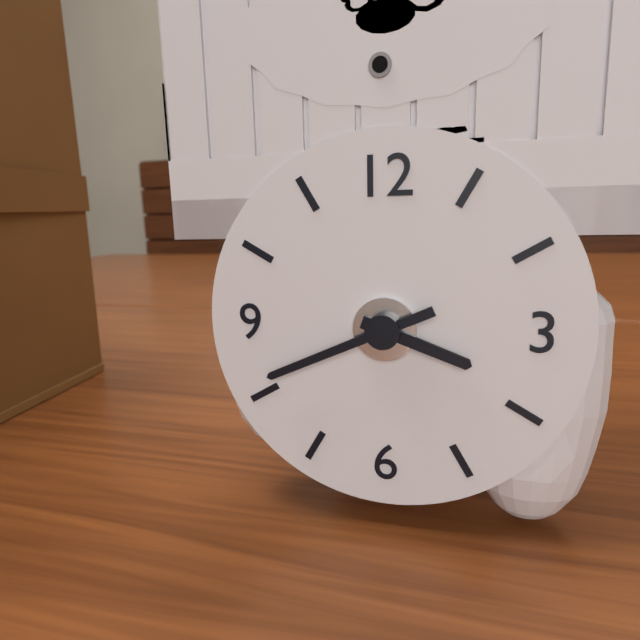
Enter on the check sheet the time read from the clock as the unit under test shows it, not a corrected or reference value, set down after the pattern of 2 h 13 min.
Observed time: 3 h 41 min
